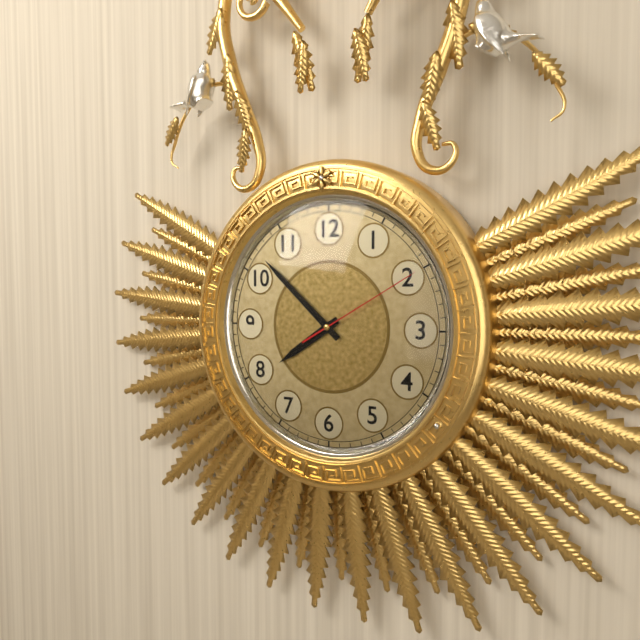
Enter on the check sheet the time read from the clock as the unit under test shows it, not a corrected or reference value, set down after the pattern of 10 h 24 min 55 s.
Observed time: 7 h 52 min 10 s
